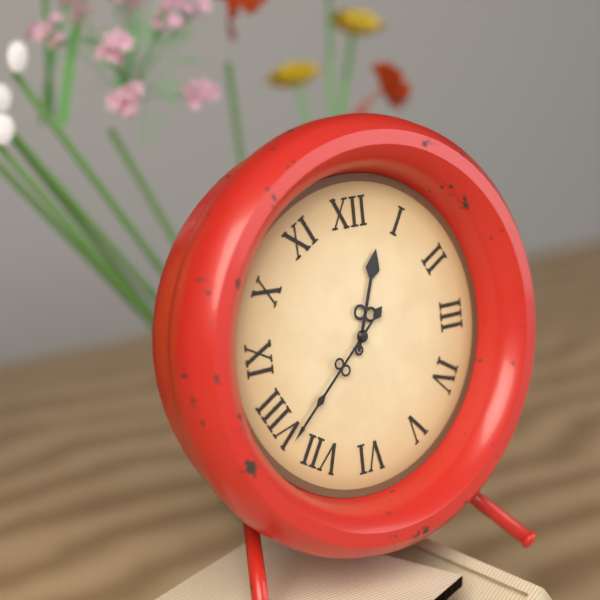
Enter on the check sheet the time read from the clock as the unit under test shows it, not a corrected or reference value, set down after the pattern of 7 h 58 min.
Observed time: 12 h 38 min
